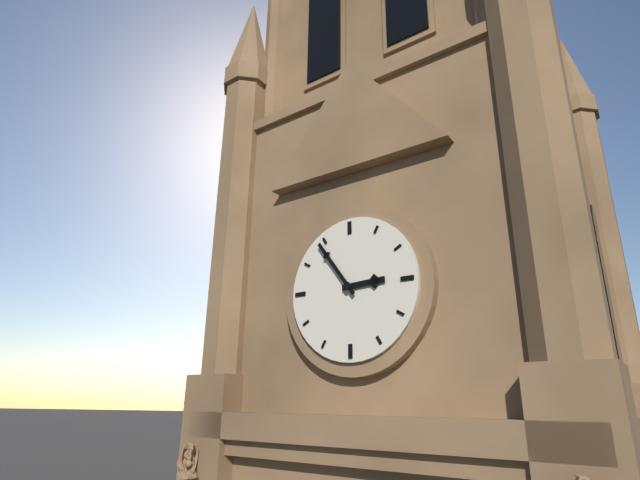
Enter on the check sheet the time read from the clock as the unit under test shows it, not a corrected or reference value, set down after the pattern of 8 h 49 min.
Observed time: 2 h 54 min
